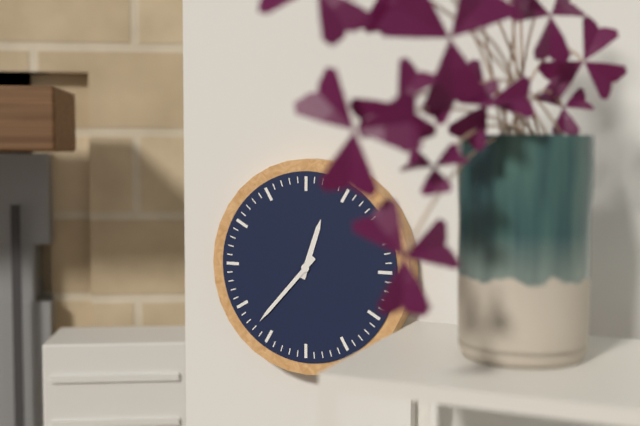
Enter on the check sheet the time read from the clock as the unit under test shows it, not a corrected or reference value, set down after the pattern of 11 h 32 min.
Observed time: 12 h 37 min
